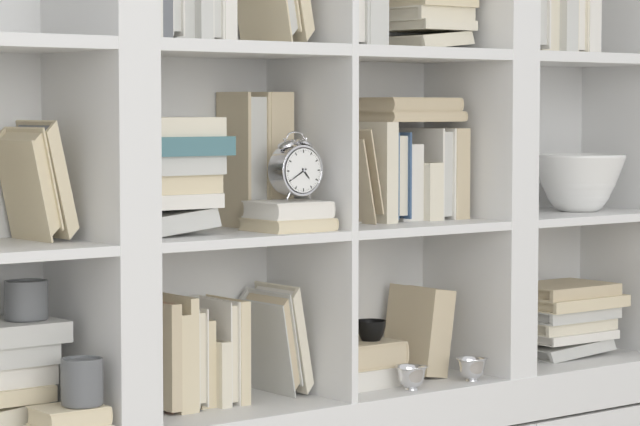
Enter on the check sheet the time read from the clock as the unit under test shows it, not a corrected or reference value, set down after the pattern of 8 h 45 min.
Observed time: 4 h 40 min
